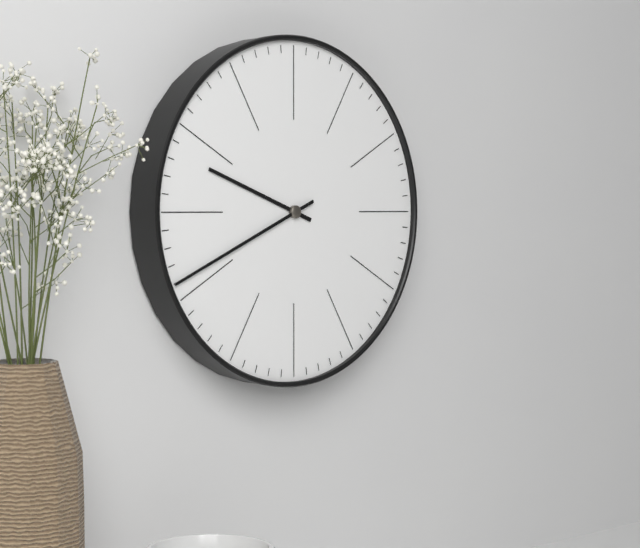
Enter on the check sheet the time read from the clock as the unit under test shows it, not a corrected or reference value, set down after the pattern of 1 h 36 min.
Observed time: 9 h 41 min
